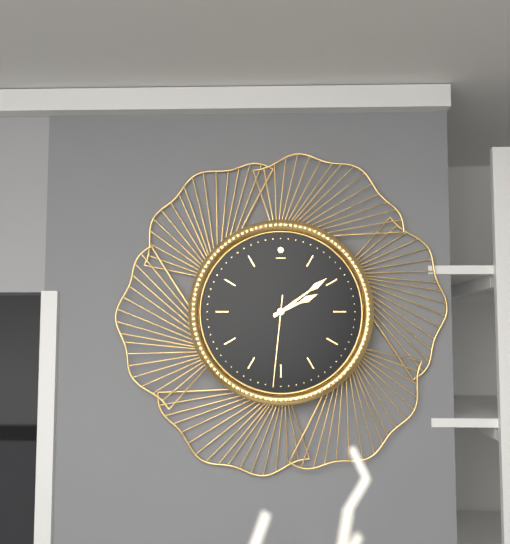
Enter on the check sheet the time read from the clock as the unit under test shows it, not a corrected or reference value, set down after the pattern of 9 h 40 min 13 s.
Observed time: 2 h 09 min 31 s
